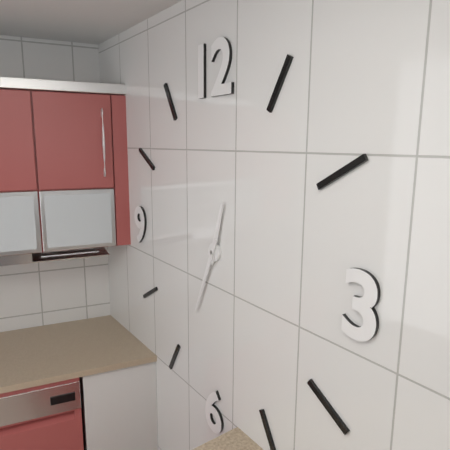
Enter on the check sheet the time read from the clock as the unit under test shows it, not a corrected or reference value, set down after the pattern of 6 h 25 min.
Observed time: 12 h 34 min
